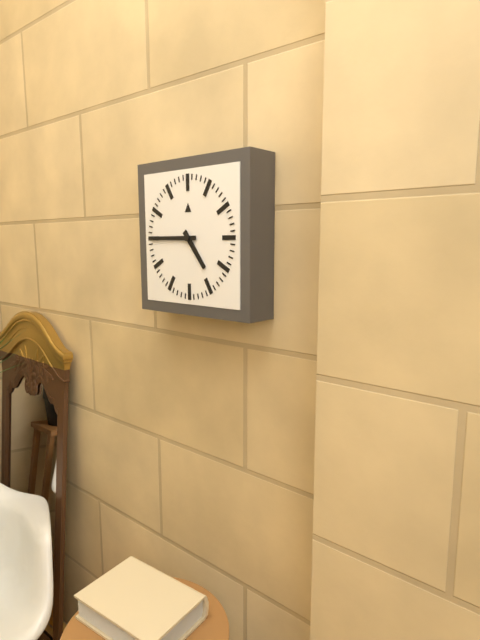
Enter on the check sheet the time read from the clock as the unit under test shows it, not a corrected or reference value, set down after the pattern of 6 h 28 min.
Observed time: 4 h 45 min
